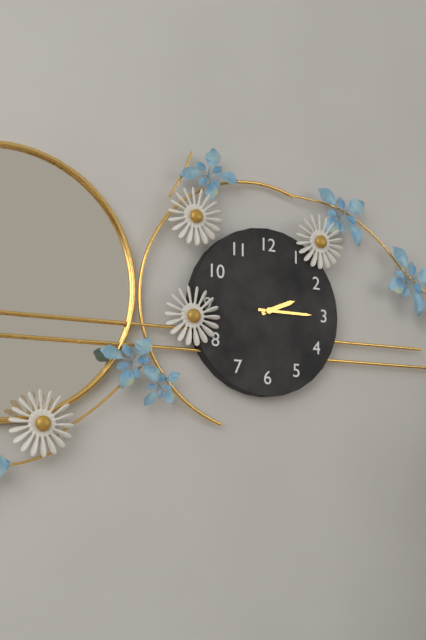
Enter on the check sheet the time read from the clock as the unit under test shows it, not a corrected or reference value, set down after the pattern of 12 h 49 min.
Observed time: 2 h 15 min
